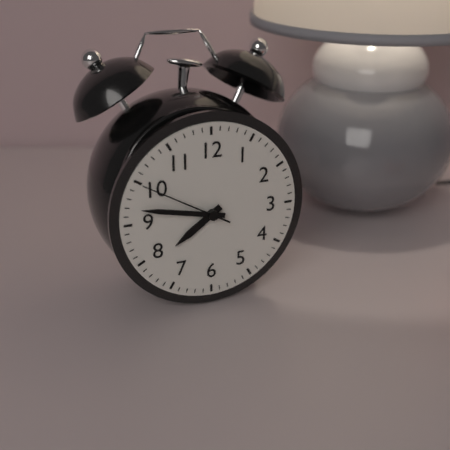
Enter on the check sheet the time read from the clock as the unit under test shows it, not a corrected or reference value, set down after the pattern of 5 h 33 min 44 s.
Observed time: 7 h 47 min 50 s
